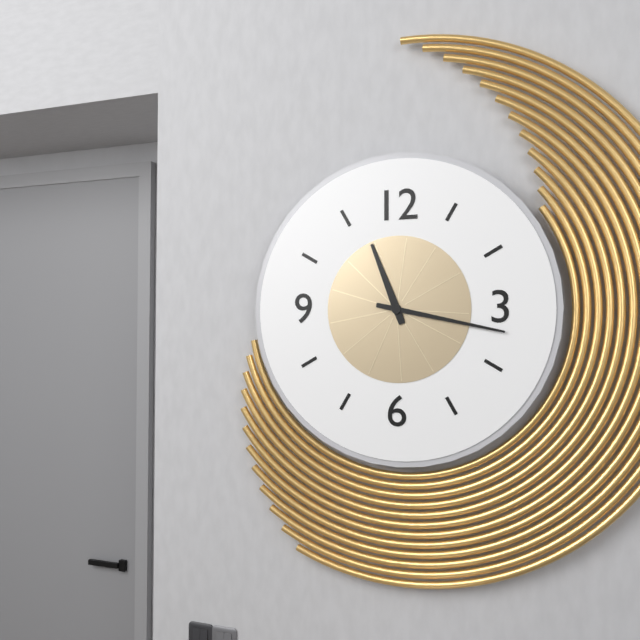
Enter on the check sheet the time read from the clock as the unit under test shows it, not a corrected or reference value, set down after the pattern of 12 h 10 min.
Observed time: 11 h 17 min
